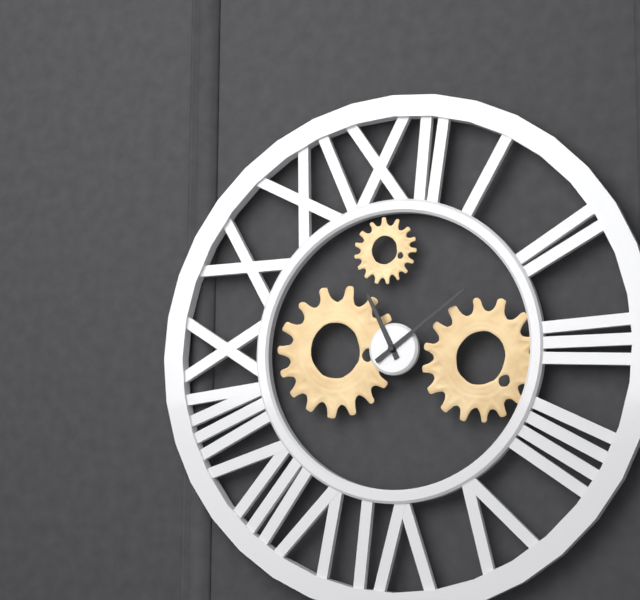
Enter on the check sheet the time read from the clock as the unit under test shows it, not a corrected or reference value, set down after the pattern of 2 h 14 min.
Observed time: 11 h 09 min
